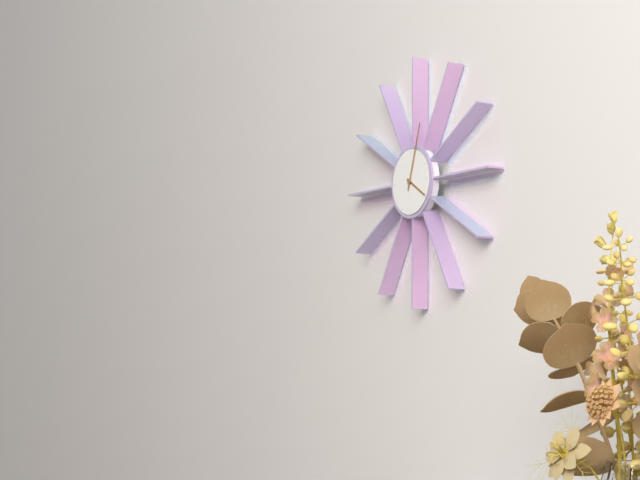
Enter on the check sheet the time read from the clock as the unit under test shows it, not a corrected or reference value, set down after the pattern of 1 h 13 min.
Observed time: 4 h 03 min
